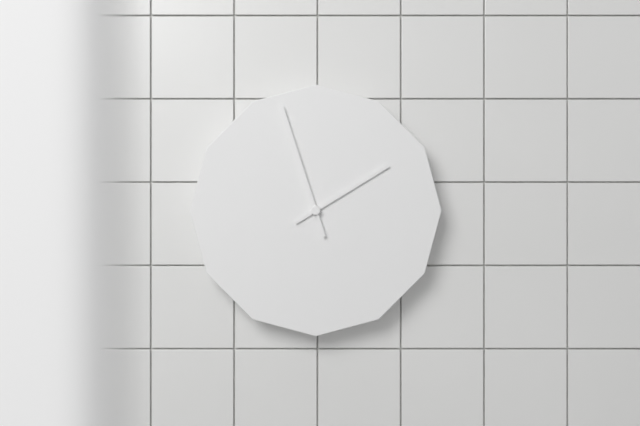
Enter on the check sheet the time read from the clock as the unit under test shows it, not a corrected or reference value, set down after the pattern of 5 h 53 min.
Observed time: 1 h 57 min
